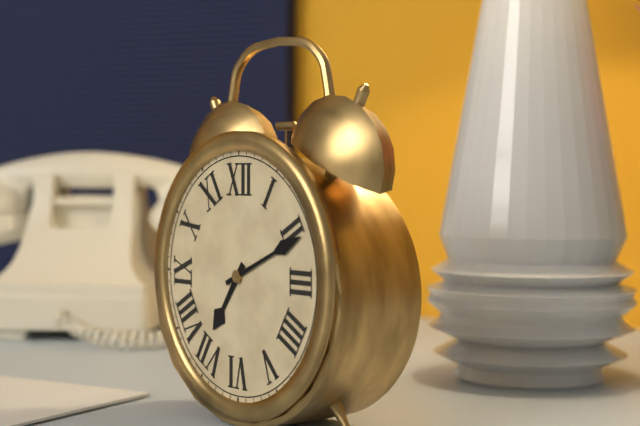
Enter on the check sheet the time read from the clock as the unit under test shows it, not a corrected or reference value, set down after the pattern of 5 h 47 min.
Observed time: 7 h 11 min
